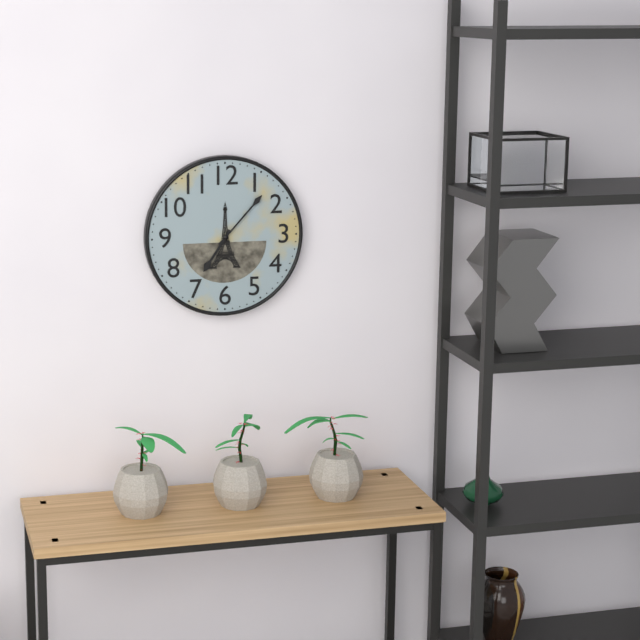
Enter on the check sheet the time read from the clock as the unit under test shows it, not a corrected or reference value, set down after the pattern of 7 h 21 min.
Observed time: 7 h 07 min
